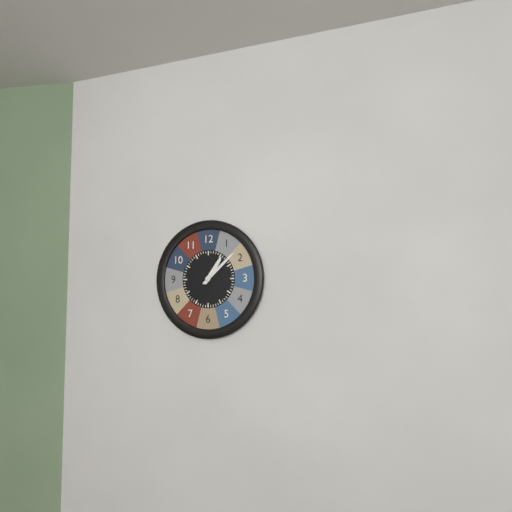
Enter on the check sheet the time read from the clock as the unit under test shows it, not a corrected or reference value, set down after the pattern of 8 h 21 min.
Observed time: 1 h 08 min
